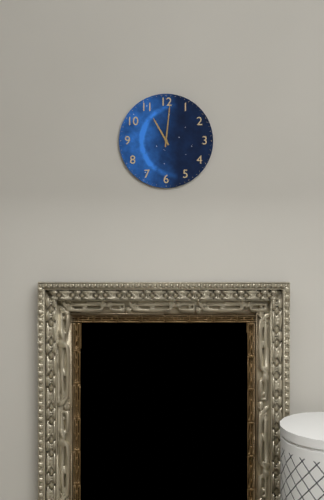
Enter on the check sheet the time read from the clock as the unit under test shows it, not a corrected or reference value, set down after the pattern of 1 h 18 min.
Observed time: 11 h 01 min
